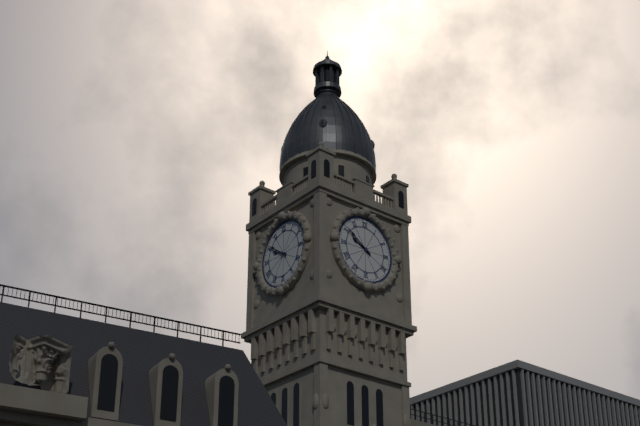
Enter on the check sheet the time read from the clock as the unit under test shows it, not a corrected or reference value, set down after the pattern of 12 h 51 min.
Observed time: 9 h 51 min
